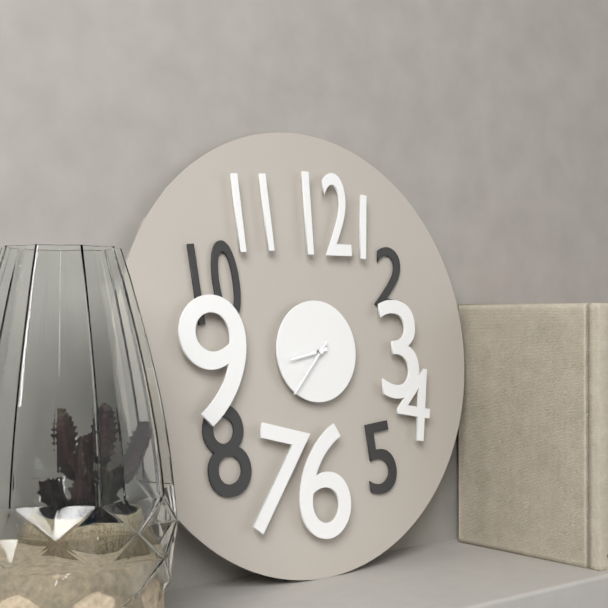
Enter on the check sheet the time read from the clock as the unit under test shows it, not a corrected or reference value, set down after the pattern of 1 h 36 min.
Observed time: 8 h 37 min
